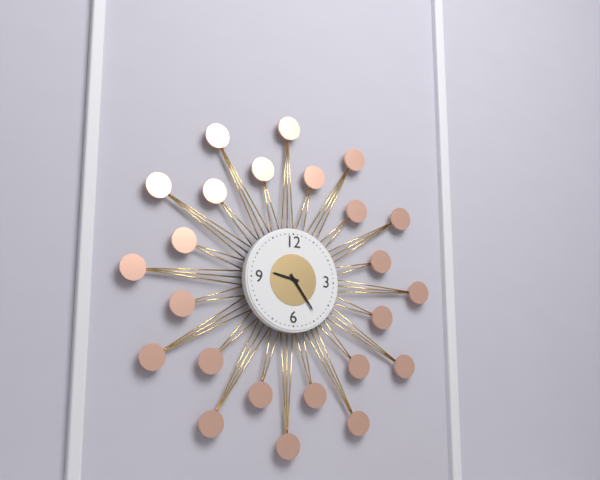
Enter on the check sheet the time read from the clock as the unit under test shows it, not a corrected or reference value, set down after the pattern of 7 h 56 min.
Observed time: 9 h 24 min
